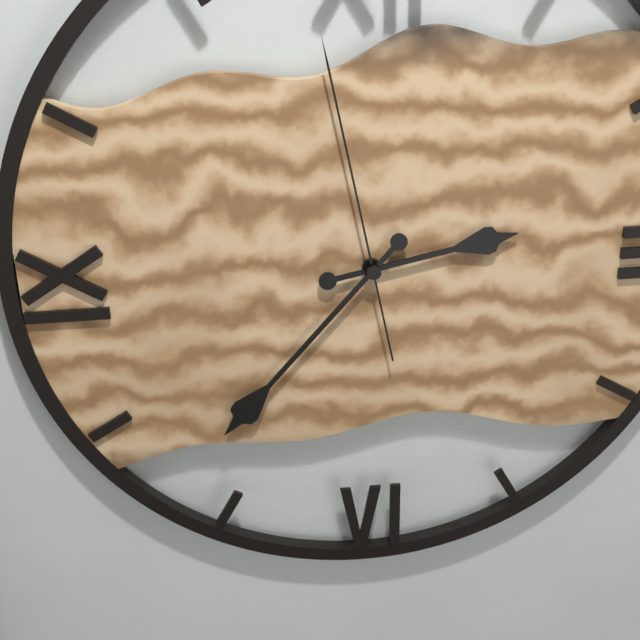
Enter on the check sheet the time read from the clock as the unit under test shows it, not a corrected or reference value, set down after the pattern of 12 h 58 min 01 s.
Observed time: 2 h 37 min 58 s
